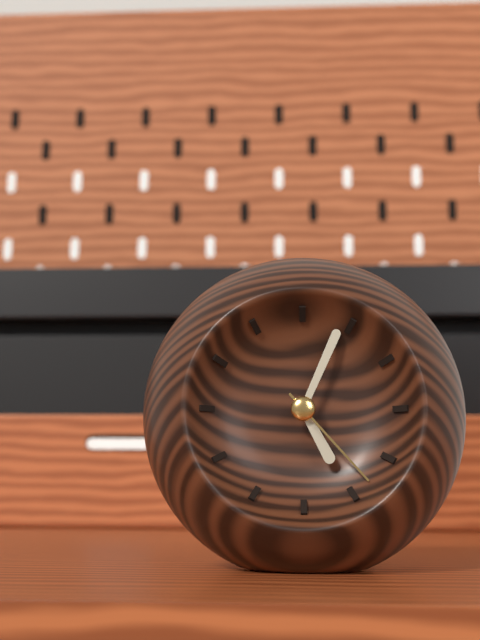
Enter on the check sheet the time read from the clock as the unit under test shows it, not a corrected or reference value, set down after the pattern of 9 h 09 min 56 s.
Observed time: 5 h 04 min 23 s
